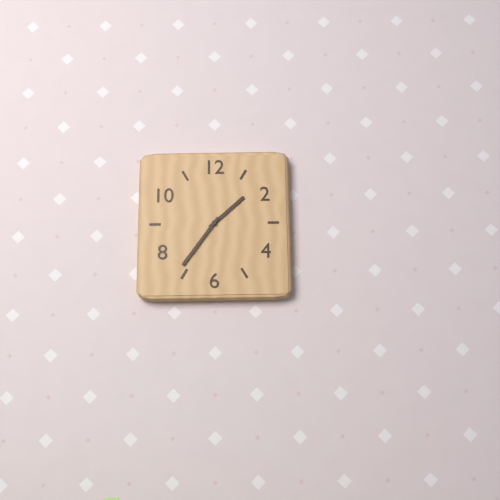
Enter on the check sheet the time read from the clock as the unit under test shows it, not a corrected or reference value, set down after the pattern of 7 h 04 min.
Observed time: 1 h 36 min
